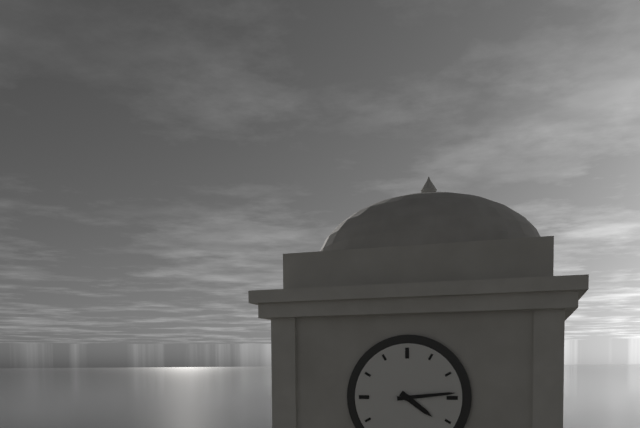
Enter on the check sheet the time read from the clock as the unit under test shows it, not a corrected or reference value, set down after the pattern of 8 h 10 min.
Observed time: 4 h 14 min
